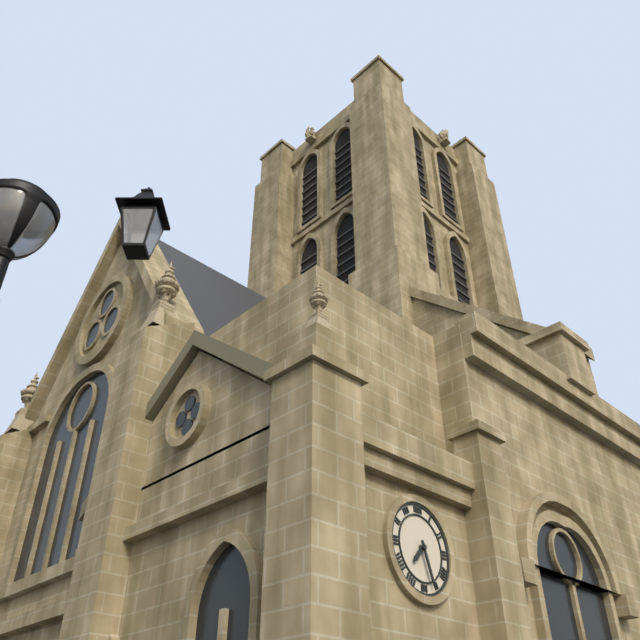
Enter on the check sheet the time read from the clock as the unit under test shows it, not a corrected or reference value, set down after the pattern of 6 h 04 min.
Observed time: 7 h 27 min
